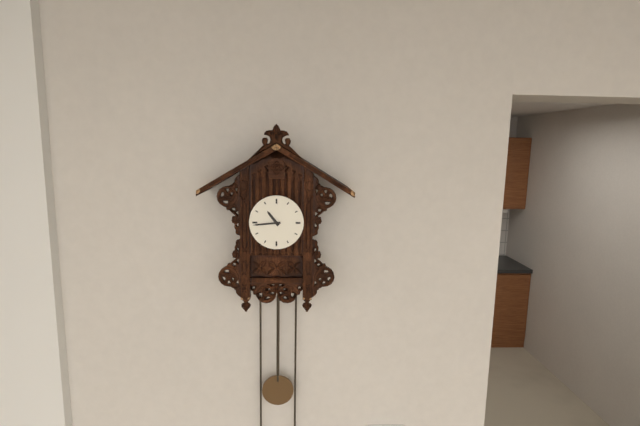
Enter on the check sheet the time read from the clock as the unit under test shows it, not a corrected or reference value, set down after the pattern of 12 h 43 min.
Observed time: 10 h 44 min
